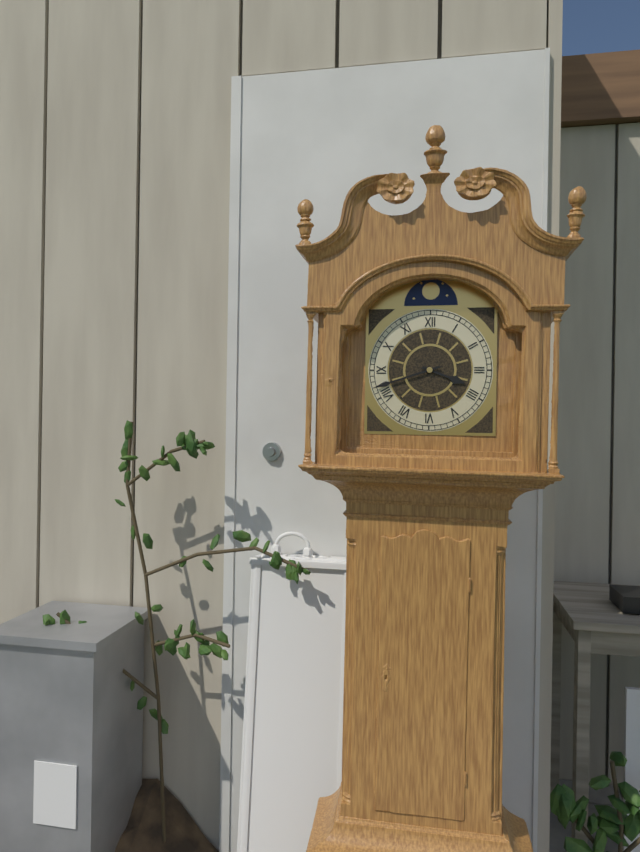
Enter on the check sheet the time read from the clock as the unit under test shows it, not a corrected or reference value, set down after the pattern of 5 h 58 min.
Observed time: 3 h 42 min
